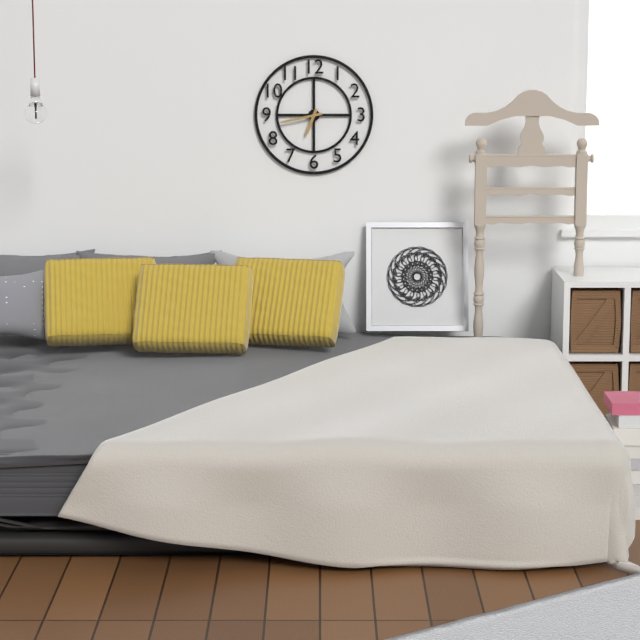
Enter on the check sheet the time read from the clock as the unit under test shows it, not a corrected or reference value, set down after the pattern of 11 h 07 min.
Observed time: 6 h 43 min
